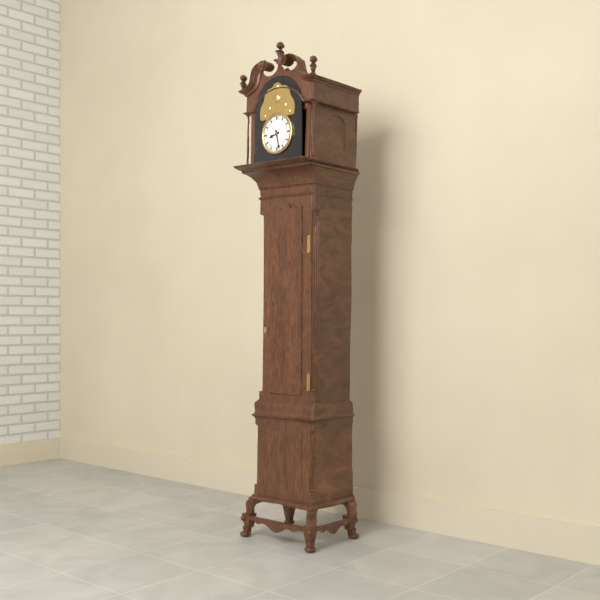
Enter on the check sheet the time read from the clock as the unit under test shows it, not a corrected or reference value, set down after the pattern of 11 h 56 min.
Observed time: 8 h 28 min
